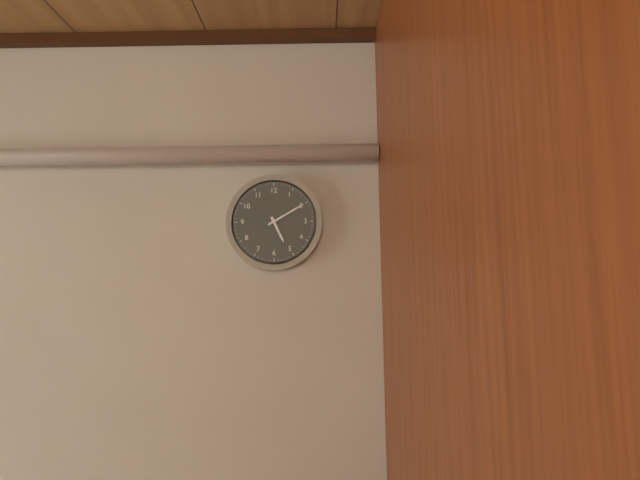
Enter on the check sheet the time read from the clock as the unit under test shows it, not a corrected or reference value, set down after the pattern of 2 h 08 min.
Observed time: 5 h 10 min
